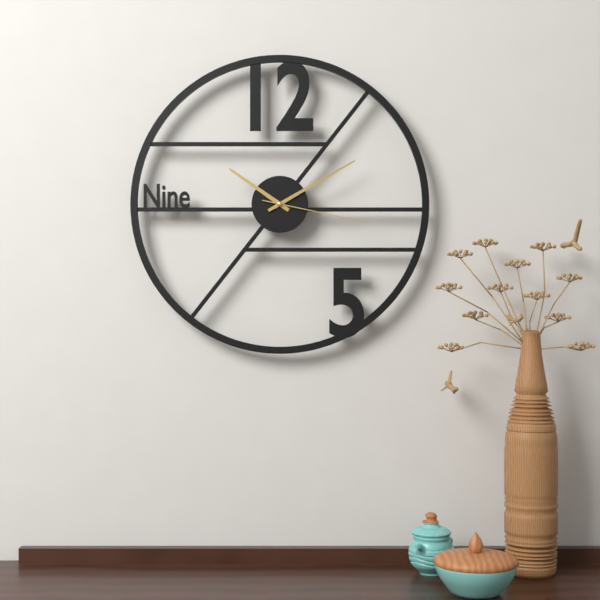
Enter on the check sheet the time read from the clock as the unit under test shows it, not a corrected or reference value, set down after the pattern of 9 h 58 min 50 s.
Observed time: 10 h 10 min 17 s
